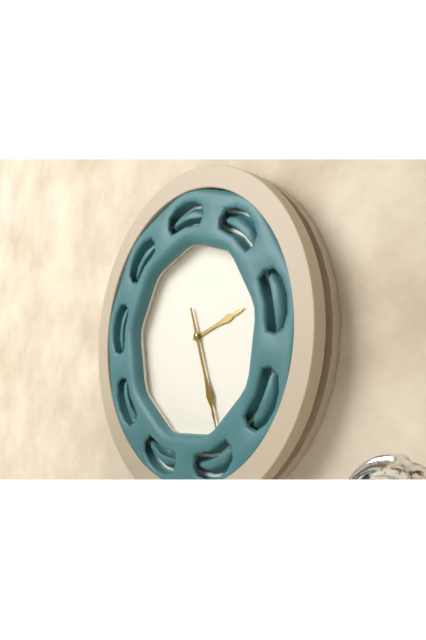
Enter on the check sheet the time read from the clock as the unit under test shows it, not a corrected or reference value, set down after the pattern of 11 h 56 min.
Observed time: 2 h 27 min
